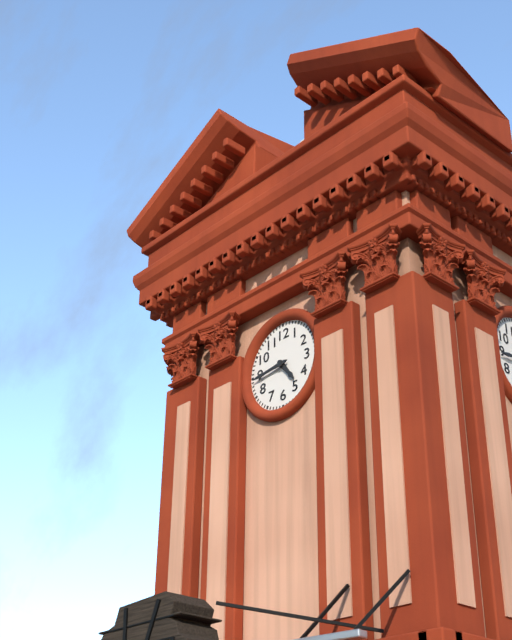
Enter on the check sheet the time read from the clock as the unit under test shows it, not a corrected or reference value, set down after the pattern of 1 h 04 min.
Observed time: 4 h 44 min
